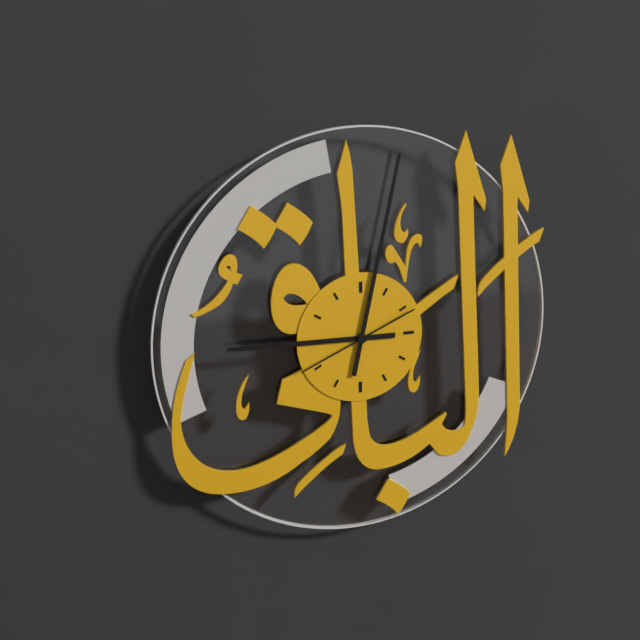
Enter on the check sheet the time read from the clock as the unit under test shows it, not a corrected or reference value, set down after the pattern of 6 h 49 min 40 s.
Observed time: 9 h 02 min 41 s
